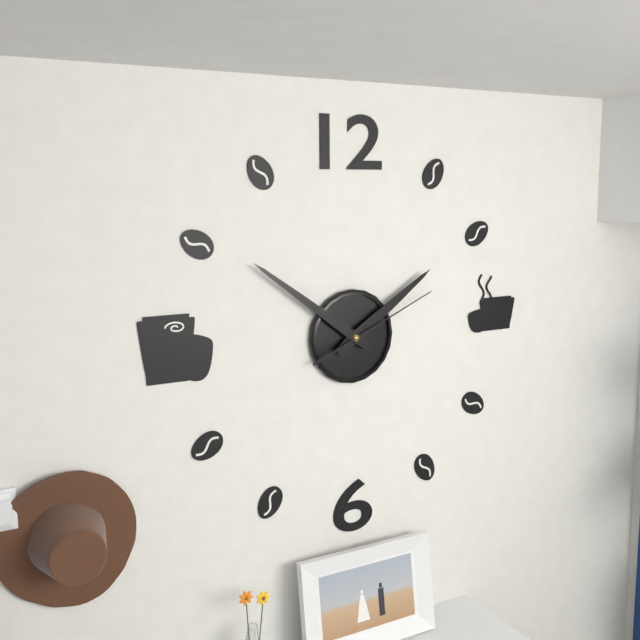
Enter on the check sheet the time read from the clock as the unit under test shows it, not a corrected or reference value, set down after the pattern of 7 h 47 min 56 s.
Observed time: 1 h 51 min 11 s
